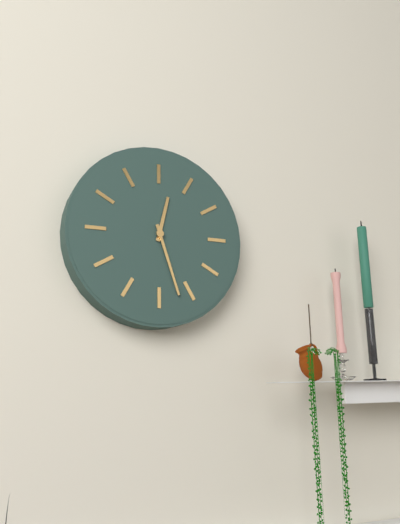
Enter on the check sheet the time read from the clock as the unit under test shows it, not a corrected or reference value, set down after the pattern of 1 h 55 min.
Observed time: 12 h 27 min
